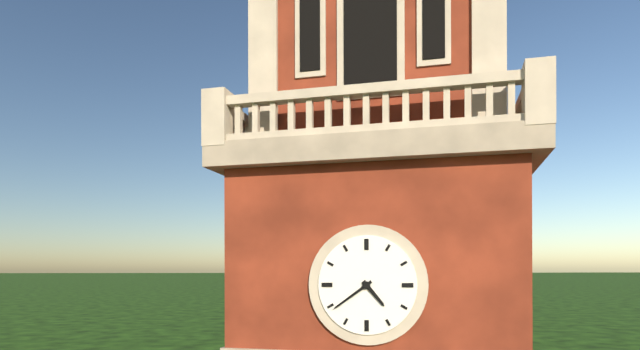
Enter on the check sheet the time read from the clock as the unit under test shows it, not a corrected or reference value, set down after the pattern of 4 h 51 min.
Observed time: 4 h 39 min
